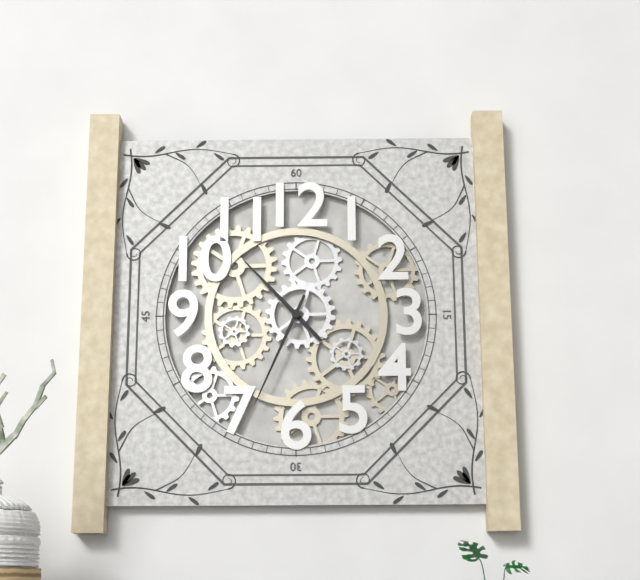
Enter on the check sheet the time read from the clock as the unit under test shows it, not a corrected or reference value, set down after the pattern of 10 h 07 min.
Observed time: 10 h 34 min
